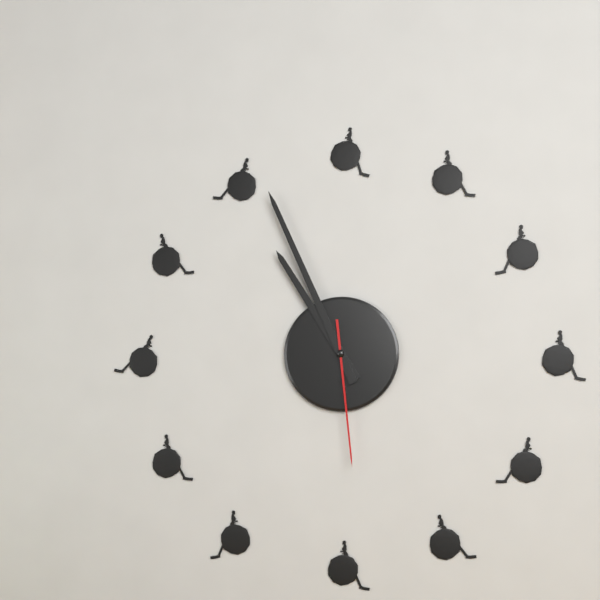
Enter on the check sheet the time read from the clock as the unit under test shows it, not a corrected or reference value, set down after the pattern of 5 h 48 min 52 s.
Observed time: 10 h 56 min 29 s
